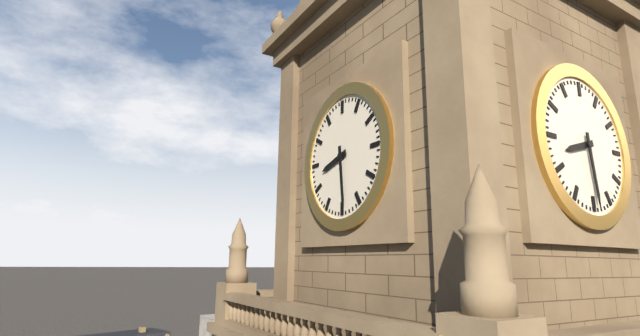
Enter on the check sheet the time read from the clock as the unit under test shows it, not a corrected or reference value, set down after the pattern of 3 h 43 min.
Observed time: 8 h 29 min
